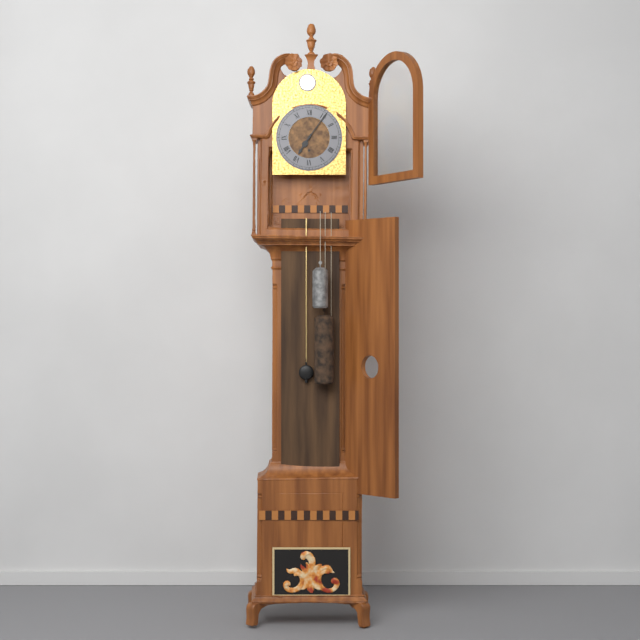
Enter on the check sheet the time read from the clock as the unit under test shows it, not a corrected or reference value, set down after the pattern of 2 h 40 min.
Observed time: 7 h 06 min
